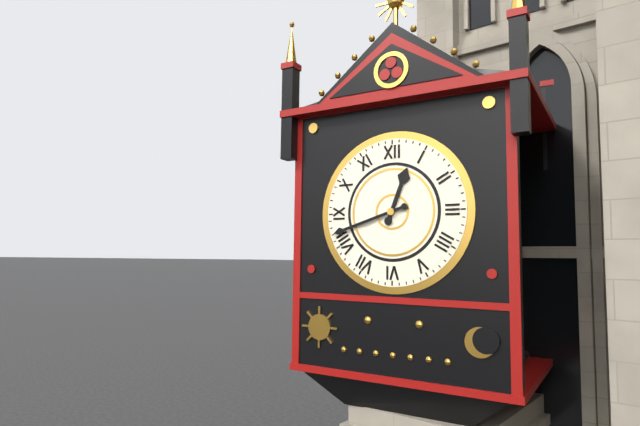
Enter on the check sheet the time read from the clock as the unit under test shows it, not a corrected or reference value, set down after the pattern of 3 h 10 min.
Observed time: 12 h 42 min
